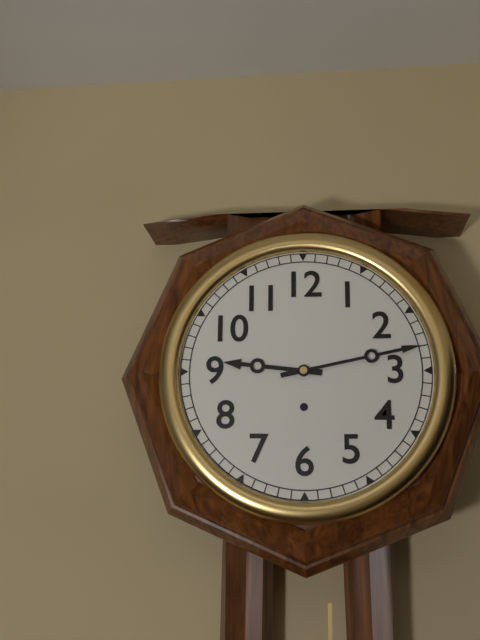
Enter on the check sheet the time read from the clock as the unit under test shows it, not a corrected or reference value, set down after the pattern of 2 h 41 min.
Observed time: 9 h 13 min
